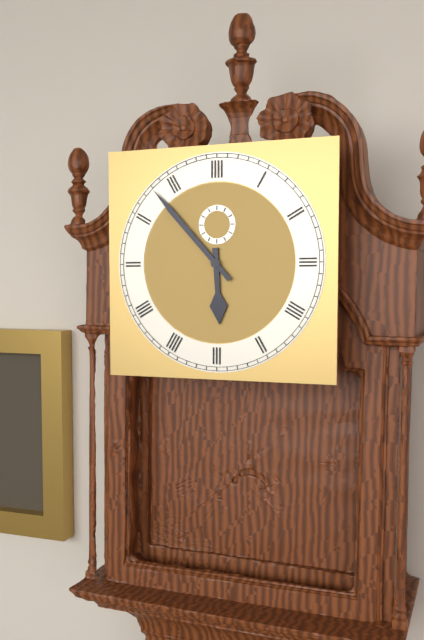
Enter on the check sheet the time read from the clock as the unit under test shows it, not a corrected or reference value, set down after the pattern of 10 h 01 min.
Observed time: 5 h 53 min
